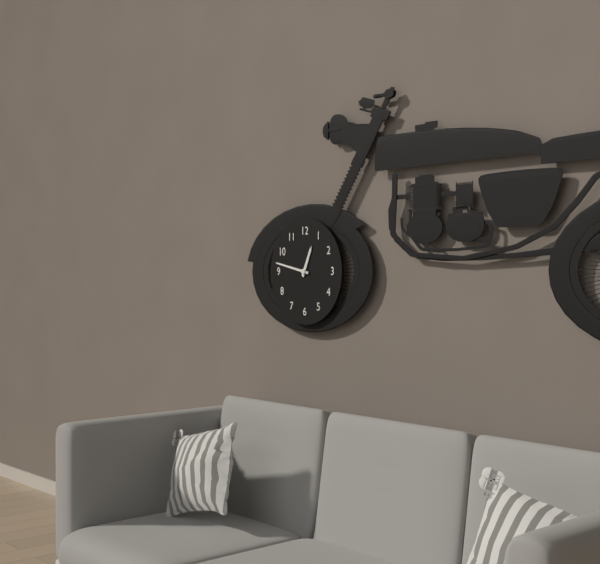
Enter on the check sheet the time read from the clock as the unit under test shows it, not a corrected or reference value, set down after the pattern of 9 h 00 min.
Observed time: 12 h 47 min
